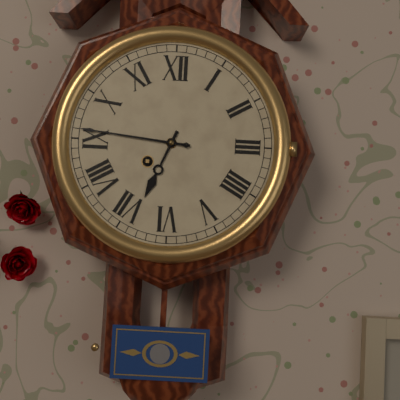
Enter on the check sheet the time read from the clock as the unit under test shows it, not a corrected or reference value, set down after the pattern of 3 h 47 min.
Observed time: 6 h 46 min
